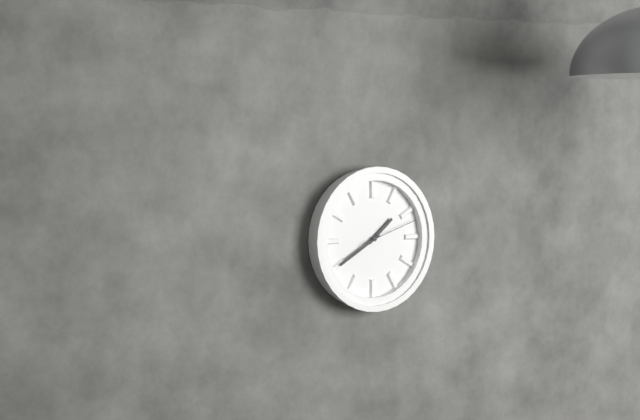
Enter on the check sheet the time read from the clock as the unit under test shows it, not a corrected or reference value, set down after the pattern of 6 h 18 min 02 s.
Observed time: 1 h 40 min 12 s
